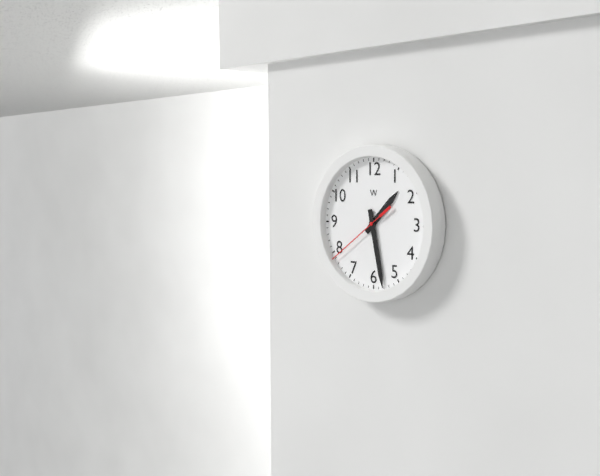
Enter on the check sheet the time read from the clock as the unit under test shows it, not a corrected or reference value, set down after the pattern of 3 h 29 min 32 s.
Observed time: 1 h 28 min 39 s
